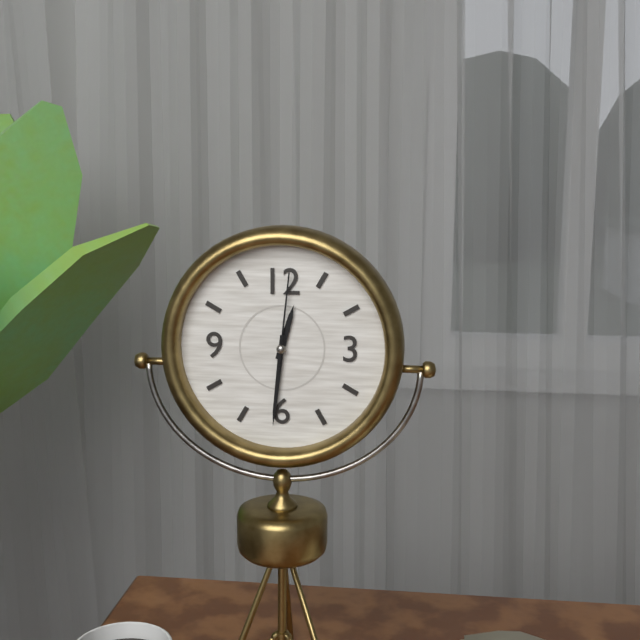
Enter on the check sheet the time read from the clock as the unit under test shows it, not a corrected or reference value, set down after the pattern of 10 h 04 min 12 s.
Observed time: 12 h 31 min 01 s
